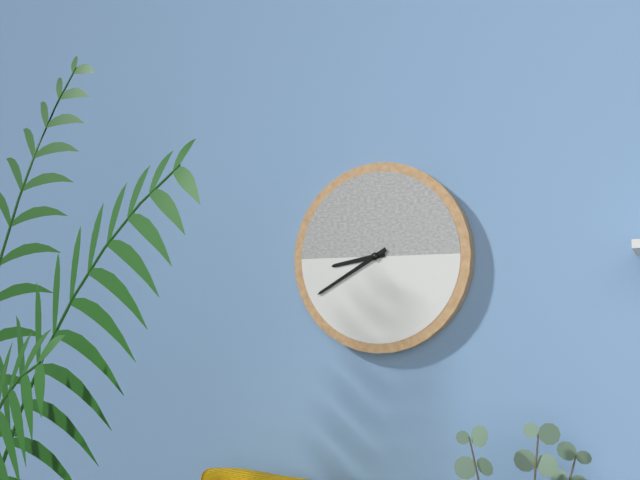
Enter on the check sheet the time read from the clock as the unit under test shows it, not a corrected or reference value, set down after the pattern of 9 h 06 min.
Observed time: 8 h 40 min
